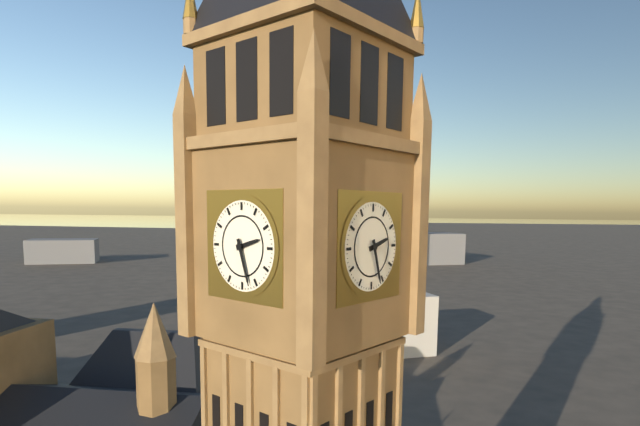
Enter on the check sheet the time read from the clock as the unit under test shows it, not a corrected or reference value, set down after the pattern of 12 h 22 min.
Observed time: 2 h 27 min
